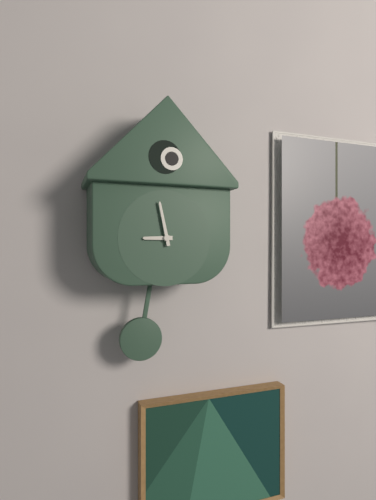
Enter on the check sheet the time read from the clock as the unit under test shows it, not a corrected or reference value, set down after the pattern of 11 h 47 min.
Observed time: 8 h 58 min
